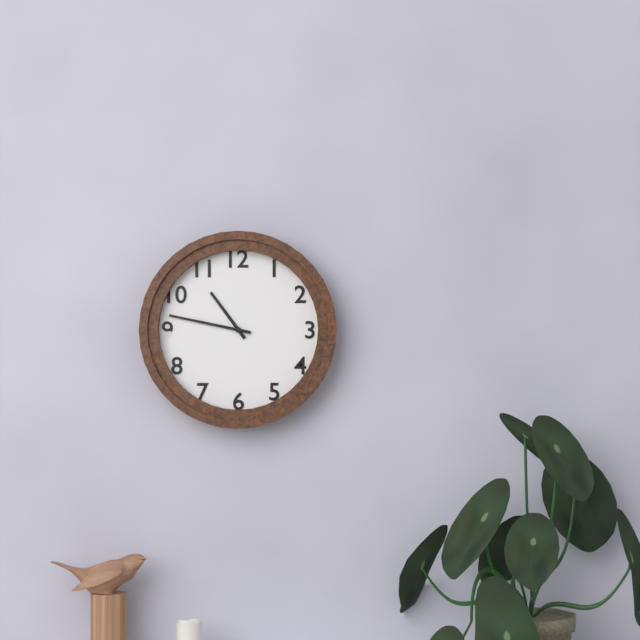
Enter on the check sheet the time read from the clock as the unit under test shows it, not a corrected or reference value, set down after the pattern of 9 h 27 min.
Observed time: 10 h 47 min
